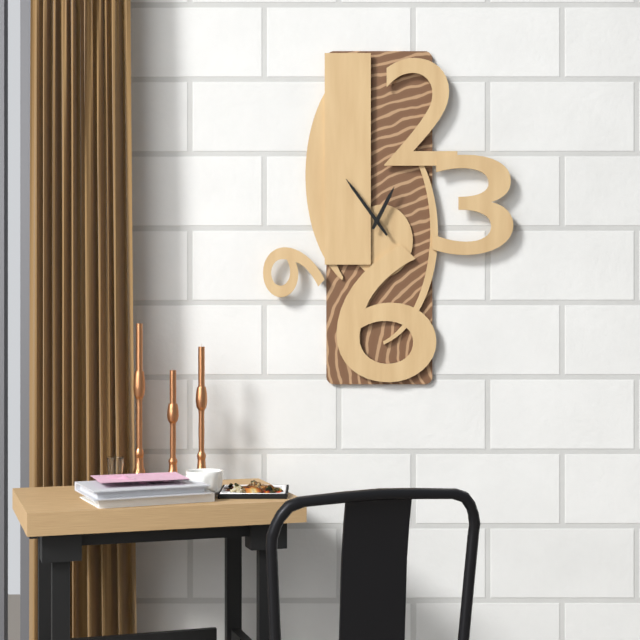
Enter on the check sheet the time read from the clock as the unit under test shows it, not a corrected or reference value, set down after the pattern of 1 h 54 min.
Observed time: 12 h 54 min
